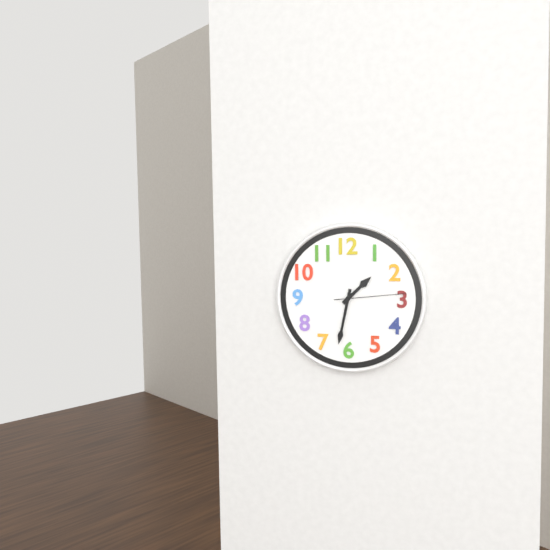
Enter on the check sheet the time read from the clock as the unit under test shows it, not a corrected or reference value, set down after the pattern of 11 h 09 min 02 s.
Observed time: 1 h 32 min 14 s
